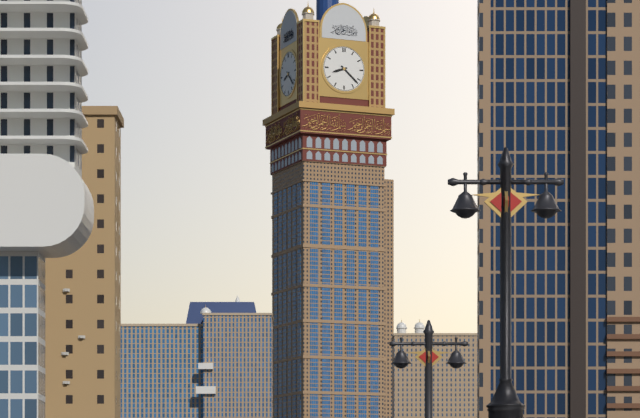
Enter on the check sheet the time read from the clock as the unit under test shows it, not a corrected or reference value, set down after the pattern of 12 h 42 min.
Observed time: 8 h 22 min
